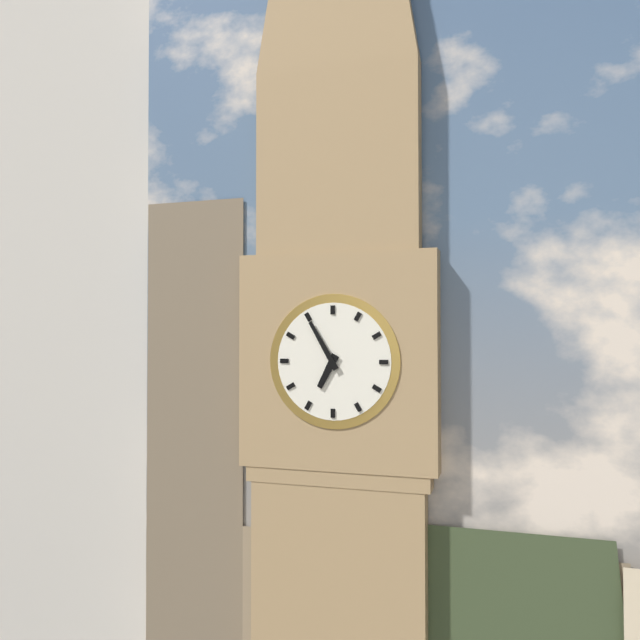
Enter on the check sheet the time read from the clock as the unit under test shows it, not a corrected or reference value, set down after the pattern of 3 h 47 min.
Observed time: 6 h 55 min
